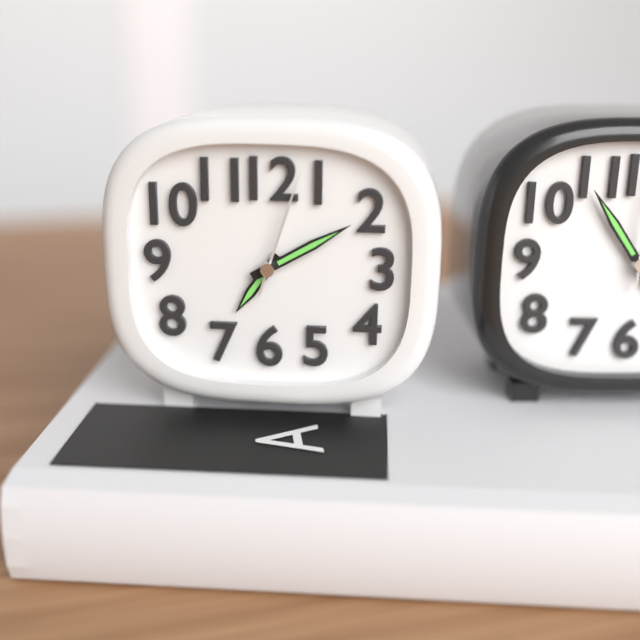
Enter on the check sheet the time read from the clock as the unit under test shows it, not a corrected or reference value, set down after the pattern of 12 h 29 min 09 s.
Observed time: 7 h 10 min 03 s
